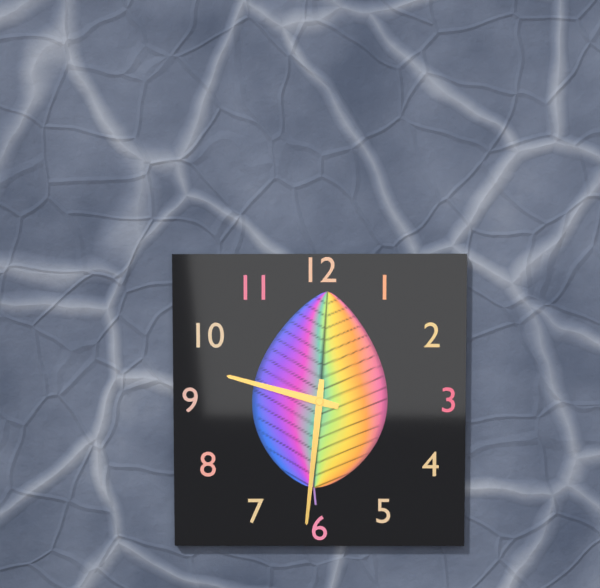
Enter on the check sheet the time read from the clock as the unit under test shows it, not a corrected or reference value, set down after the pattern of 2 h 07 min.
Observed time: 9 h 31 min
